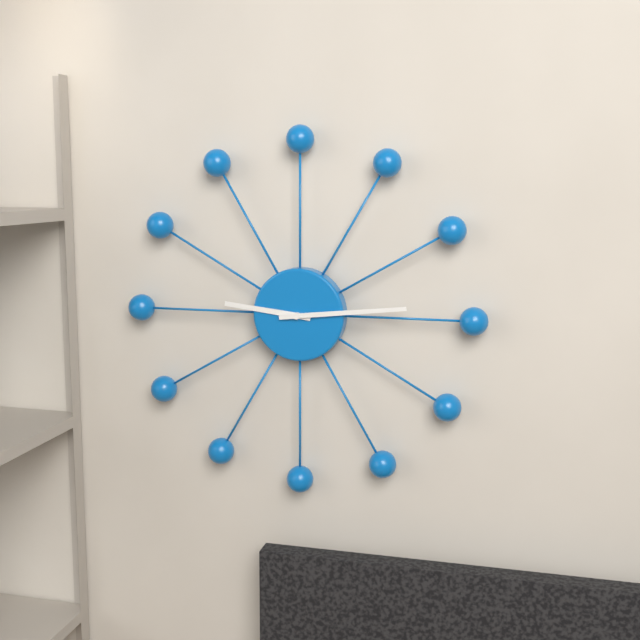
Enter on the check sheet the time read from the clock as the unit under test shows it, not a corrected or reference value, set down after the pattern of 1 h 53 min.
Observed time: 9 h 14 min
